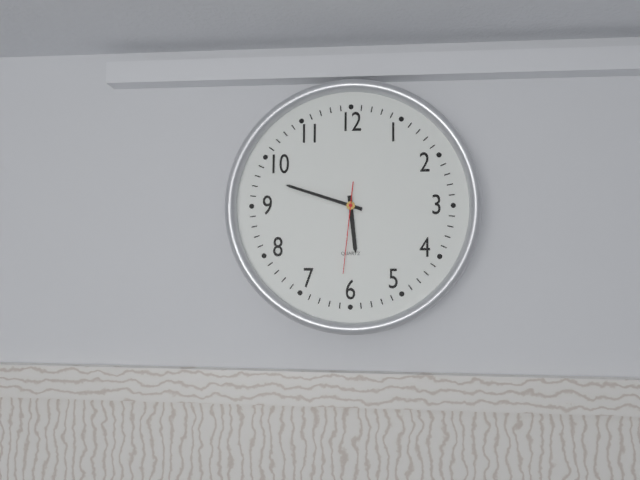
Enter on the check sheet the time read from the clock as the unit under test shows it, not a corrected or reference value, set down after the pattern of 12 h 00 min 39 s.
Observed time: 5 h 48 min 31 s
